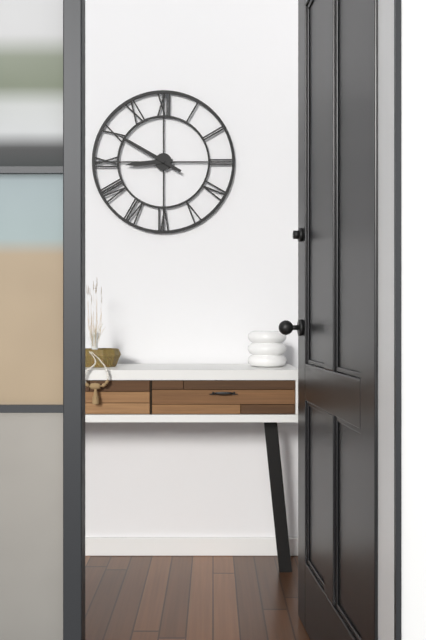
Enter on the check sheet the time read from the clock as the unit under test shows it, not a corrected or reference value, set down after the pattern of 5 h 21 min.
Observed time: 8 h 50 min
